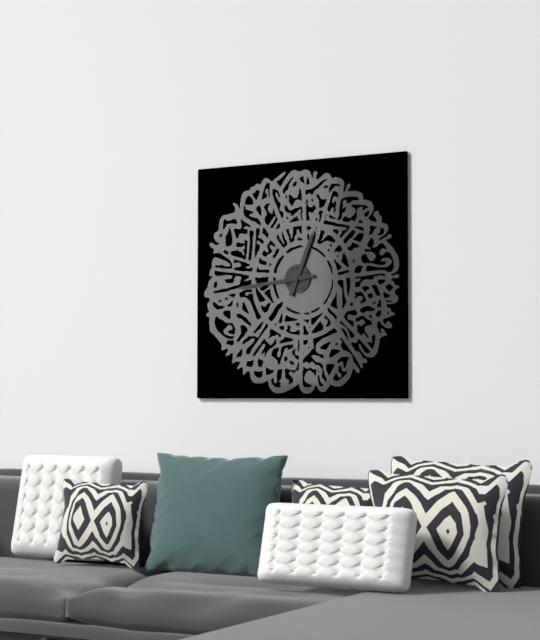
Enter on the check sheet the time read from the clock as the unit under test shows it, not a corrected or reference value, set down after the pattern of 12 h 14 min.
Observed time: 12 h 44 min
